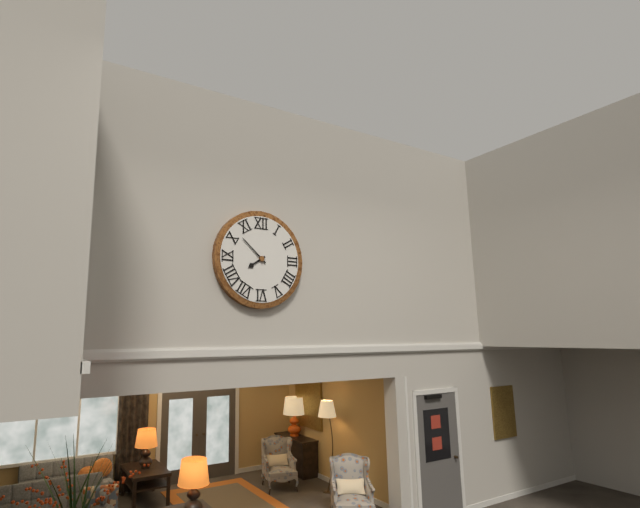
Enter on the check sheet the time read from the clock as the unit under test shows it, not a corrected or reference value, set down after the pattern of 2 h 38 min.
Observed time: 7 h 52 min
